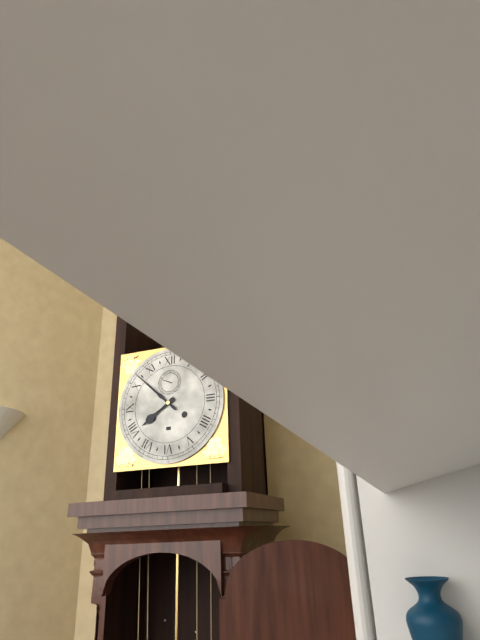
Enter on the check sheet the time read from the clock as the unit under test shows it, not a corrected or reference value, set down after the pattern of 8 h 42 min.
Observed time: 7 h 52 min
